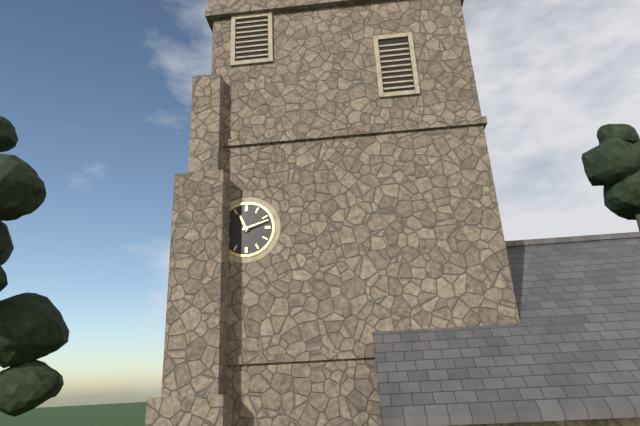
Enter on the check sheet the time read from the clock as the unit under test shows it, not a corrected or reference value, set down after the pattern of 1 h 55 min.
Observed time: 11 h 12 min
